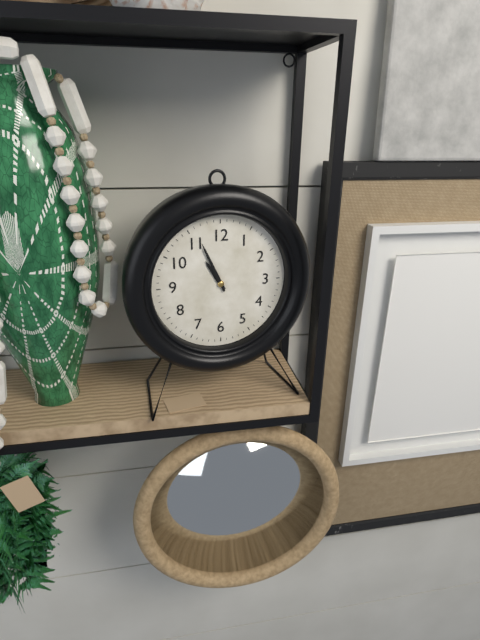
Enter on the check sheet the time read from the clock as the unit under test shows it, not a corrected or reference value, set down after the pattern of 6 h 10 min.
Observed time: 10 h 56 min
